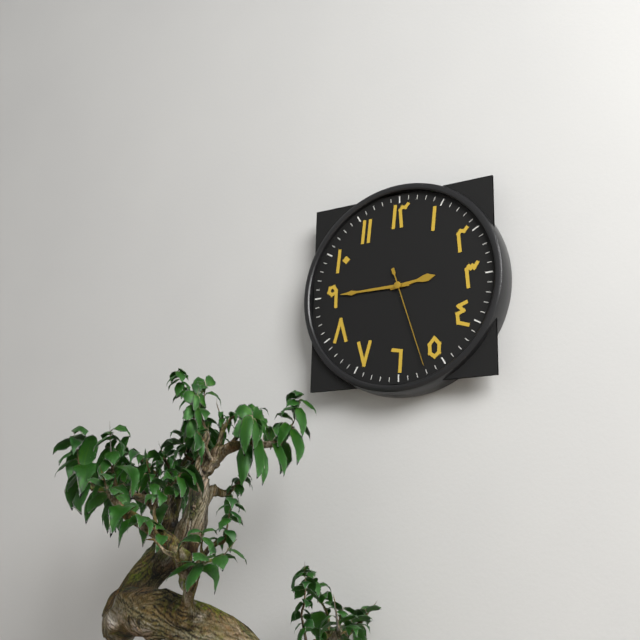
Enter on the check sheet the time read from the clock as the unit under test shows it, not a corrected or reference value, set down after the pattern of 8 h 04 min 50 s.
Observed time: 2 h 45 min 27 s
